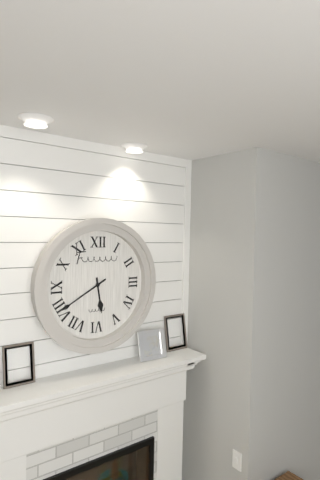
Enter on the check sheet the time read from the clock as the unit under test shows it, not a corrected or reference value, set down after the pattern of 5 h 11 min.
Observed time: 5 h 40 min
